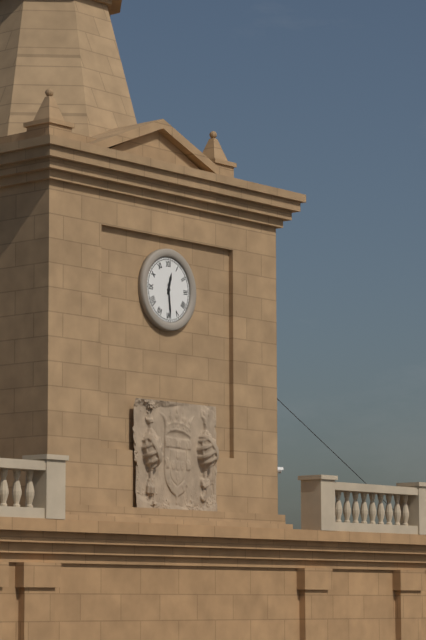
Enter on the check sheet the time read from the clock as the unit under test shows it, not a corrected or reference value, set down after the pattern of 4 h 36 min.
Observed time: 12 h 29 min
